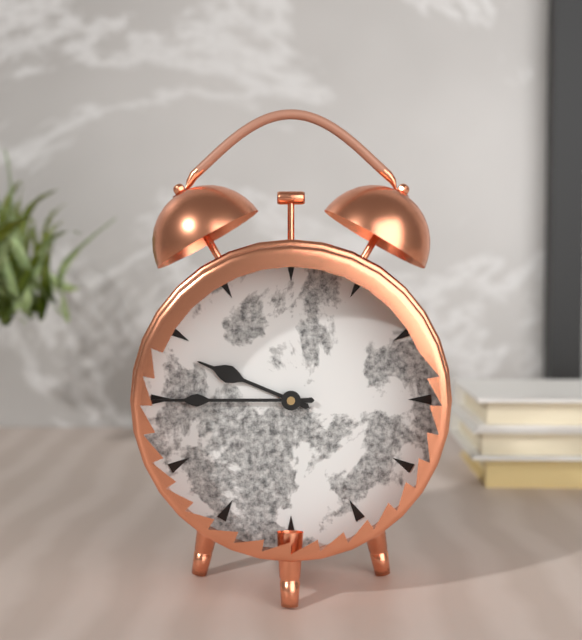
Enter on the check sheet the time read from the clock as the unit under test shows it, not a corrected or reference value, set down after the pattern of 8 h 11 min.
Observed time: 9 h 45 min
